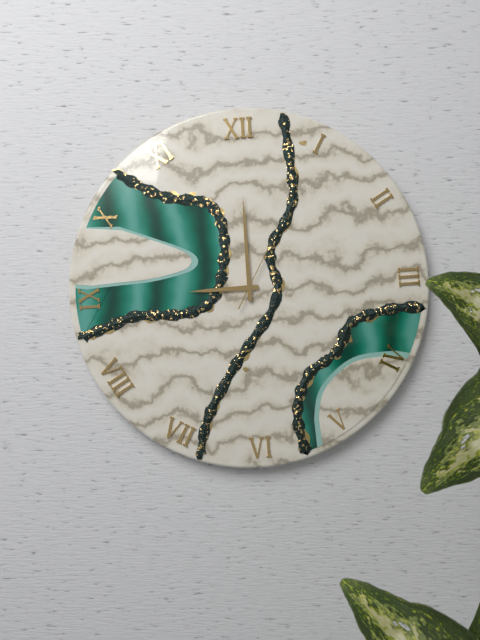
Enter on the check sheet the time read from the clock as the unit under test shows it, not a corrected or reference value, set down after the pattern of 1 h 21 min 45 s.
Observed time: 9 h 00 min 05 s
